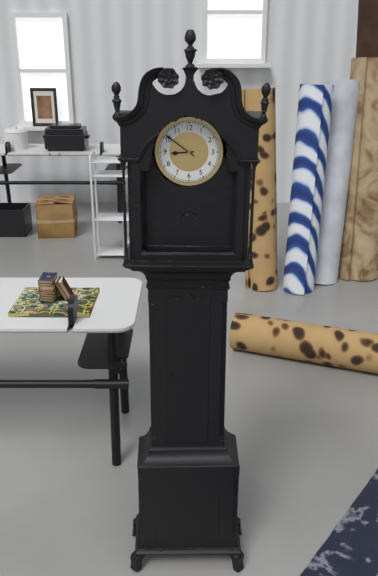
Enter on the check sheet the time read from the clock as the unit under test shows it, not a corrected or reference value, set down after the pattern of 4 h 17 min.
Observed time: 8 h 51 min
